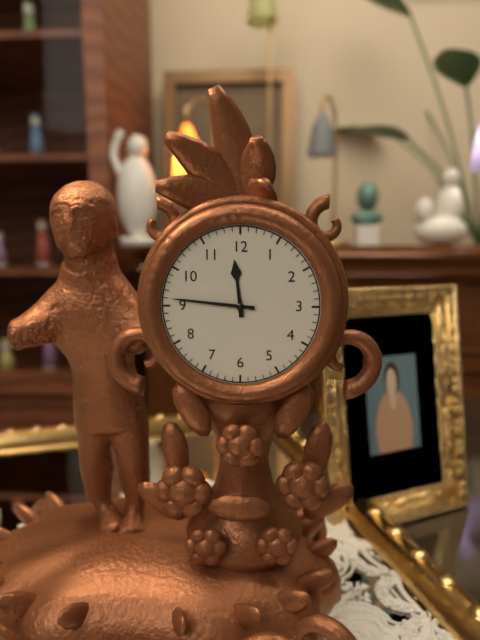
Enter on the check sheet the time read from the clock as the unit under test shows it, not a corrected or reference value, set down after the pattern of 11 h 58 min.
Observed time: 11 h 46 min
